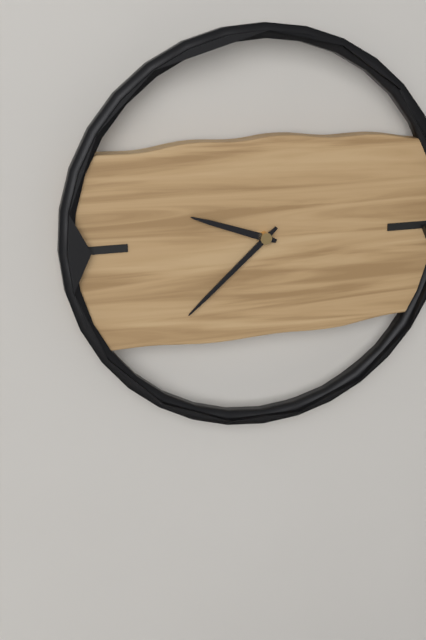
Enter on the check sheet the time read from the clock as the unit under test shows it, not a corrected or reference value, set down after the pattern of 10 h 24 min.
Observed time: 9 h 38 min
